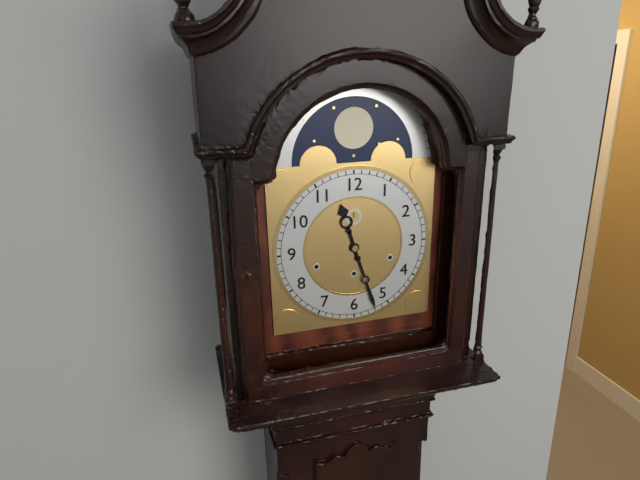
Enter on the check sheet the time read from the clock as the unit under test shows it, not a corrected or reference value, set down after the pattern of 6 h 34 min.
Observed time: 11 h 27 min
